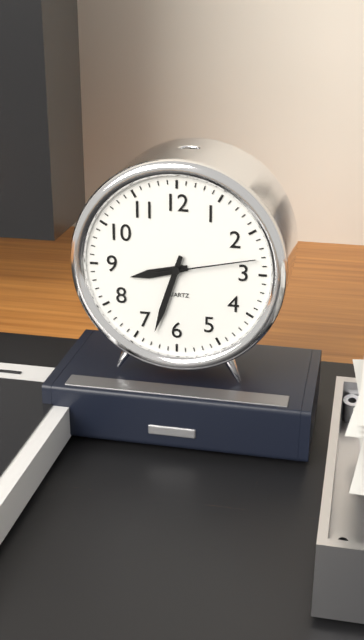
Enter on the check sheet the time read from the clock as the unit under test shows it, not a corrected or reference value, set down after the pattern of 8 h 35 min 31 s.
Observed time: 8 h 33 min 13 s
